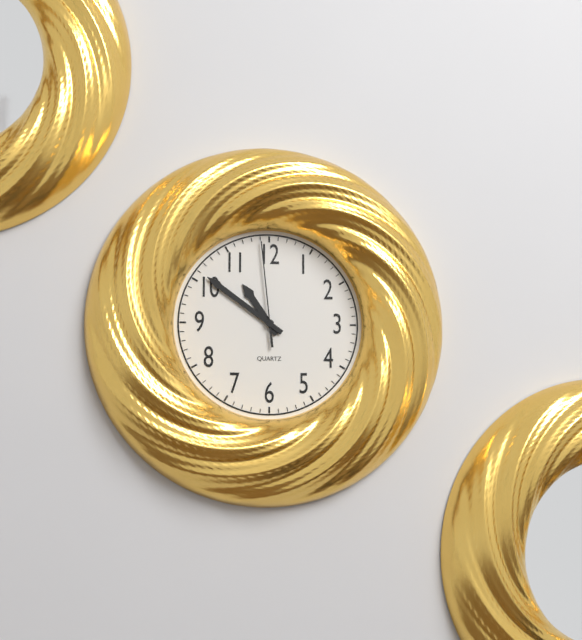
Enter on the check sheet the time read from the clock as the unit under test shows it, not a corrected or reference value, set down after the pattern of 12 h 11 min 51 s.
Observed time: 10 h 51 min 59 s
